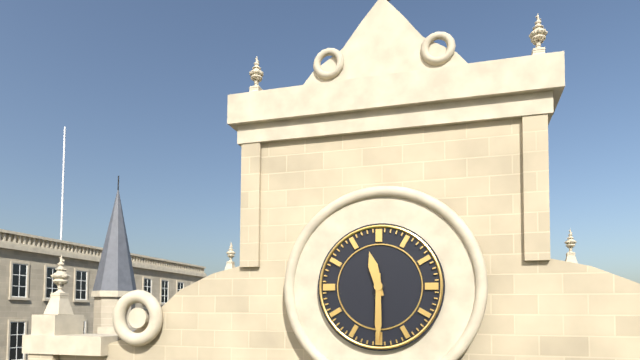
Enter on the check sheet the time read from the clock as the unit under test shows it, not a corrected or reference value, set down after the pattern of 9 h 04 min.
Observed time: 11 h 30 min
